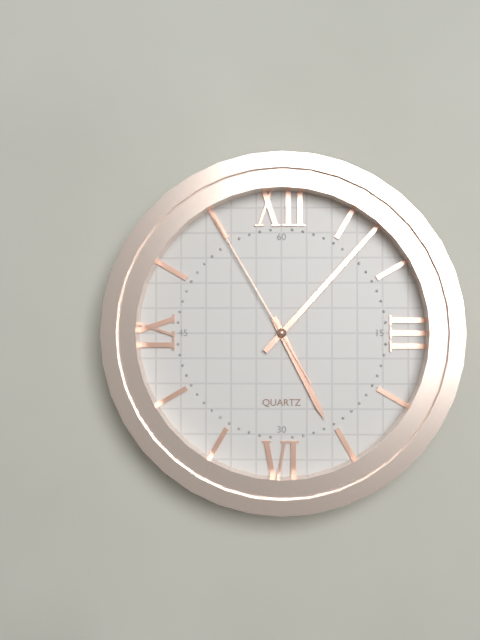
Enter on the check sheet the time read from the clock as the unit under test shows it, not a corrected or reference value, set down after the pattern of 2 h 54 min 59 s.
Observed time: 5 h 07 min 55 s
